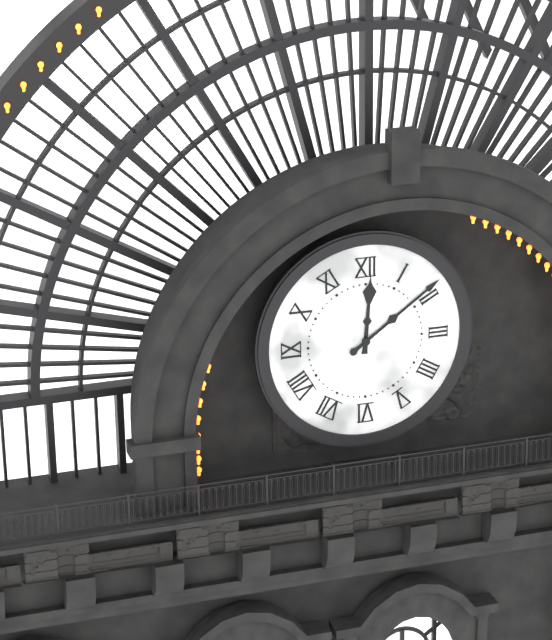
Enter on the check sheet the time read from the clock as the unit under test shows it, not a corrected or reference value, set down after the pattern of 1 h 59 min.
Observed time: 12 h 09 min
